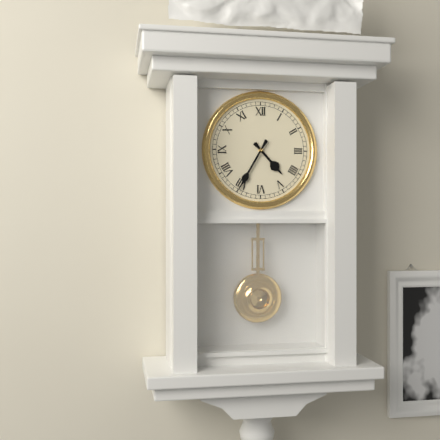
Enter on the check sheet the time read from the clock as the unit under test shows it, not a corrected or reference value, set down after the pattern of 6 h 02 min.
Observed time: 4 h 35 min
